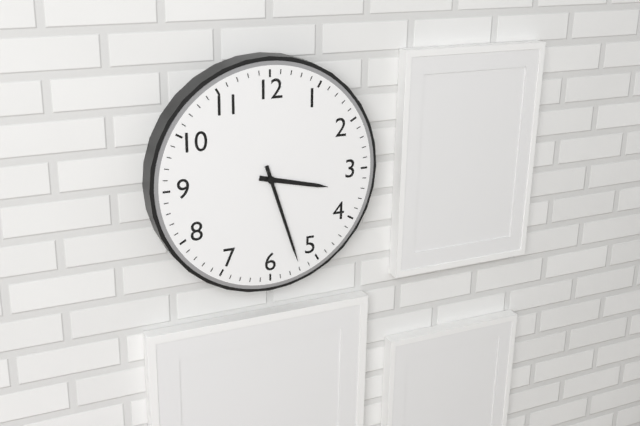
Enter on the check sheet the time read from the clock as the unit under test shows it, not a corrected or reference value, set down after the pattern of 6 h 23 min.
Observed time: 3 h 27 min
